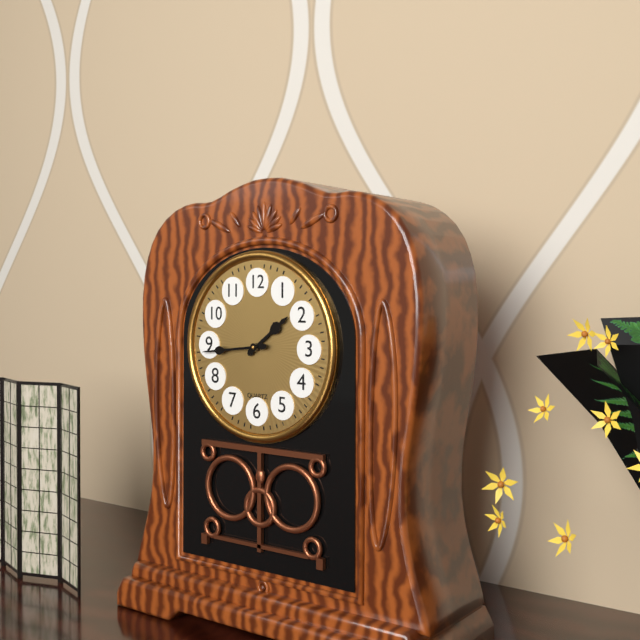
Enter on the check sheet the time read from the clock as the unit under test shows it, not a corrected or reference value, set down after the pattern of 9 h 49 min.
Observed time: 1 h 44 min
